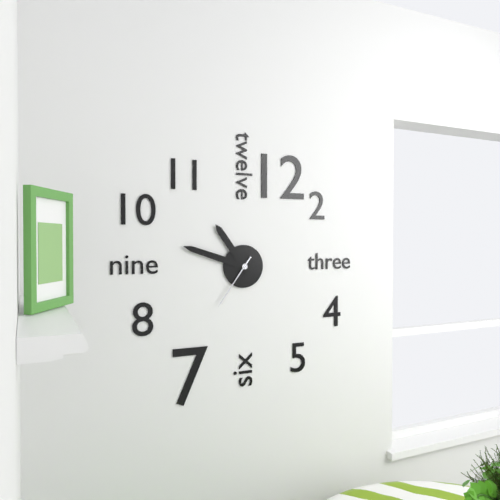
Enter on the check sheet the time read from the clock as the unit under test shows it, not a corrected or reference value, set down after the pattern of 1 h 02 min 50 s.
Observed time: 10 h 48 min 36 s
